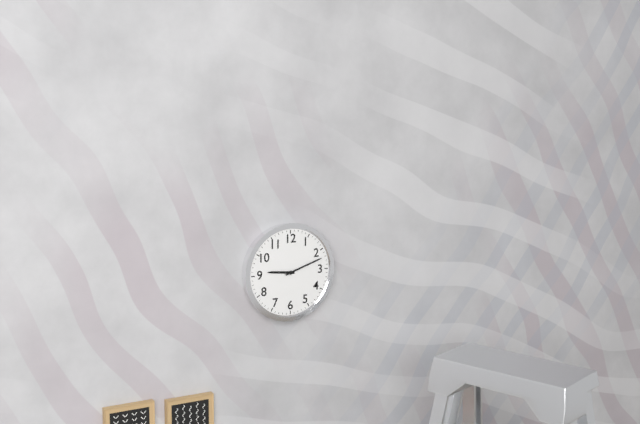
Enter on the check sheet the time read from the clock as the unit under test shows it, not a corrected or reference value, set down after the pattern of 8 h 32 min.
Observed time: 9 h 12 min
